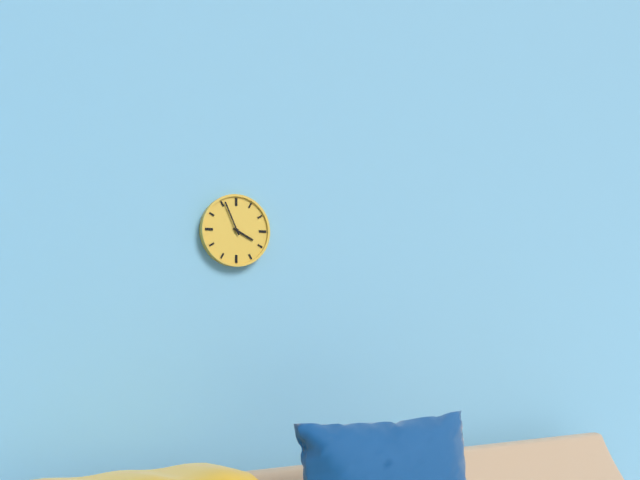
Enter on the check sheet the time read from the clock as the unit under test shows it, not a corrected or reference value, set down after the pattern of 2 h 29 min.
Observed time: 3 h 56 min
